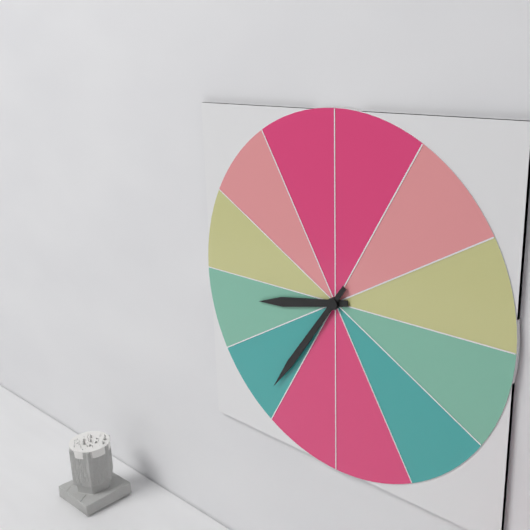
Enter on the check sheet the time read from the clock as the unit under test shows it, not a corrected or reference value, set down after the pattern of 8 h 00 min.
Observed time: 8 h 36 min
